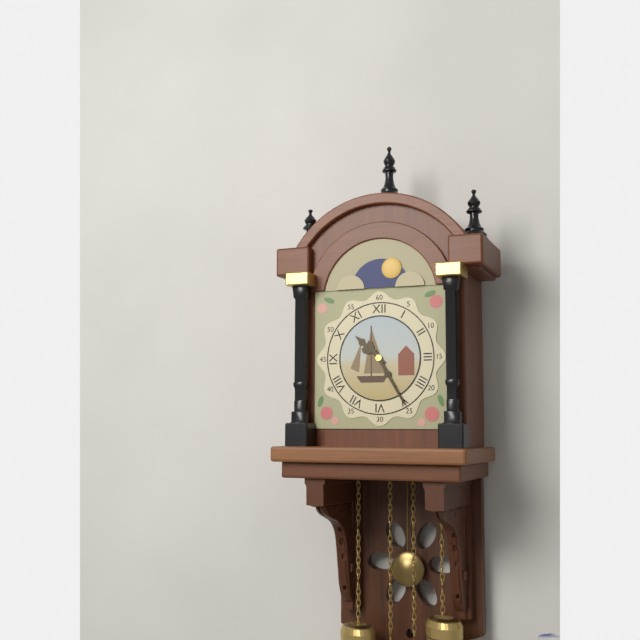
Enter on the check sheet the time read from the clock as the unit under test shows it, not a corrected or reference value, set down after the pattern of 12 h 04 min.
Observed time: 10 h 25 min
